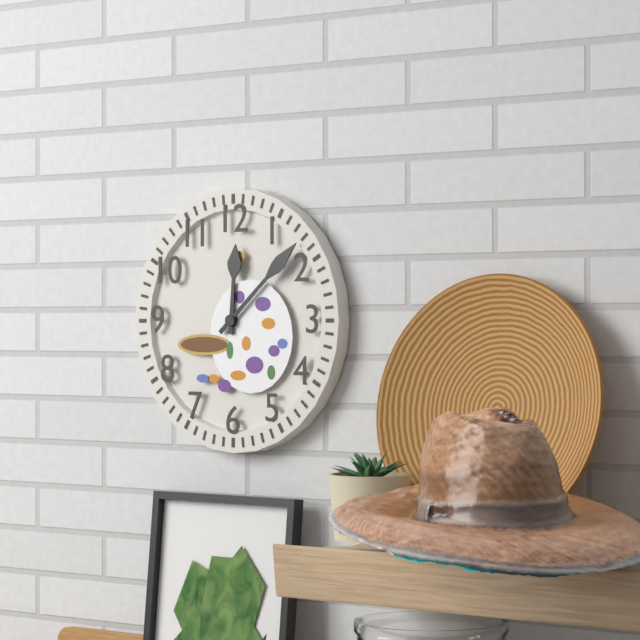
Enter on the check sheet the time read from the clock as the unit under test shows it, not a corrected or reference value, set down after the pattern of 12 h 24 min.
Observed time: 12 h 08 min
